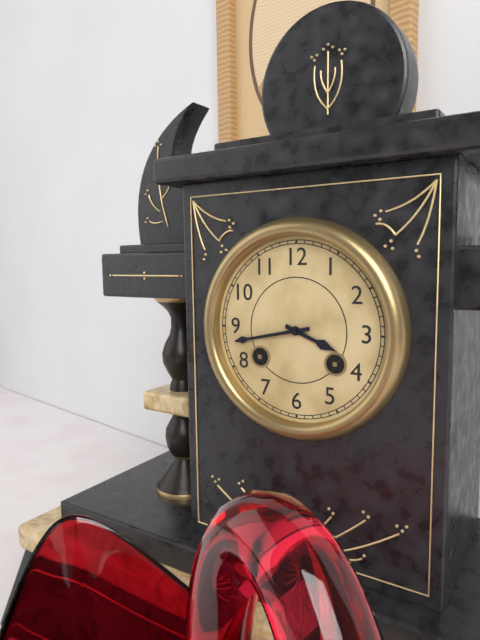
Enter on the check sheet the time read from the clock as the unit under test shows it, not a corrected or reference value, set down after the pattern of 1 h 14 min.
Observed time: 3 h 43 min
